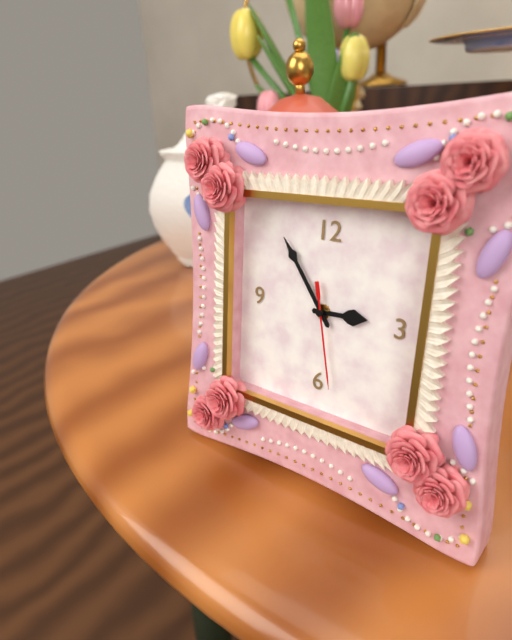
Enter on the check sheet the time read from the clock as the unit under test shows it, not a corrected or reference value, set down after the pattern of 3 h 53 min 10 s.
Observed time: 2 h 54 min 28 s
